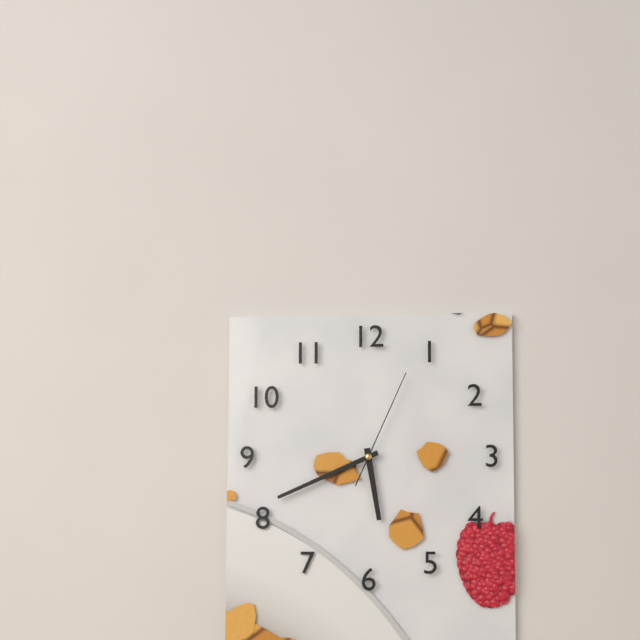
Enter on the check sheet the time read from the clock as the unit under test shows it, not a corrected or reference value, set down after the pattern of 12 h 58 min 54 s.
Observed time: 5 h 41 min 04 s
